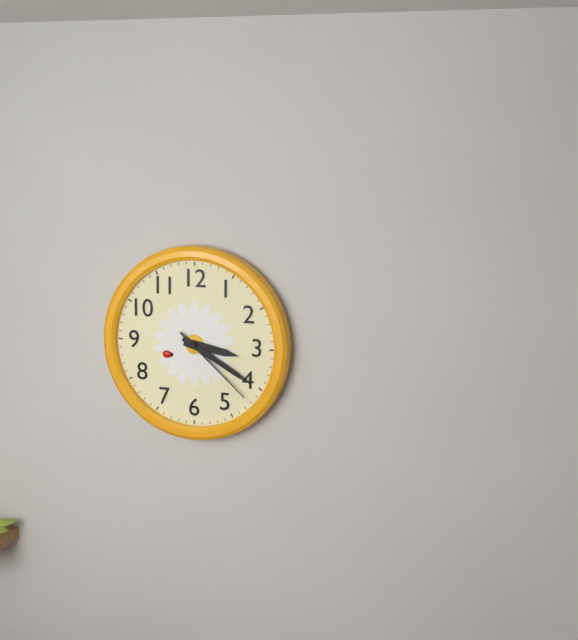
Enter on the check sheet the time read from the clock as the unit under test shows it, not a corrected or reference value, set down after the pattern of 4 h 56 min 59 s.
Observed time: 3 h 20 min 22 s
